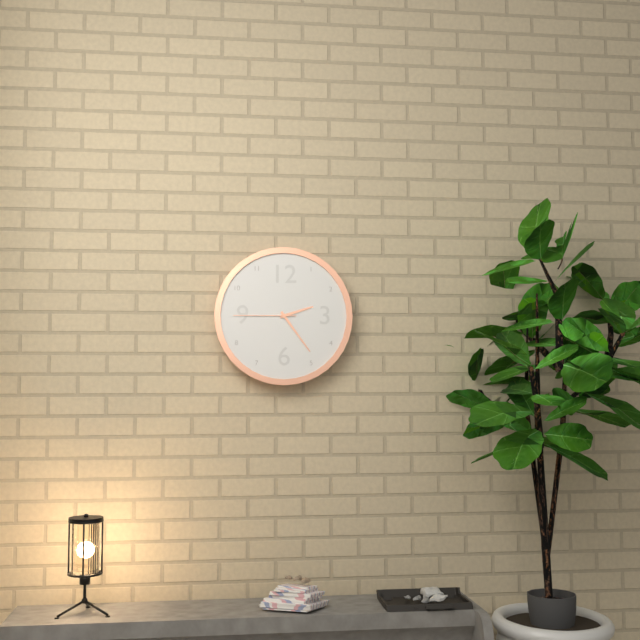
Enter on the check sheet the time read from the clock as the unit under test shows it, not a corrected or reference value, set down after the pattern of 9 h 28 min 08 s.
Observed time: 2 h 24 min 45 s
